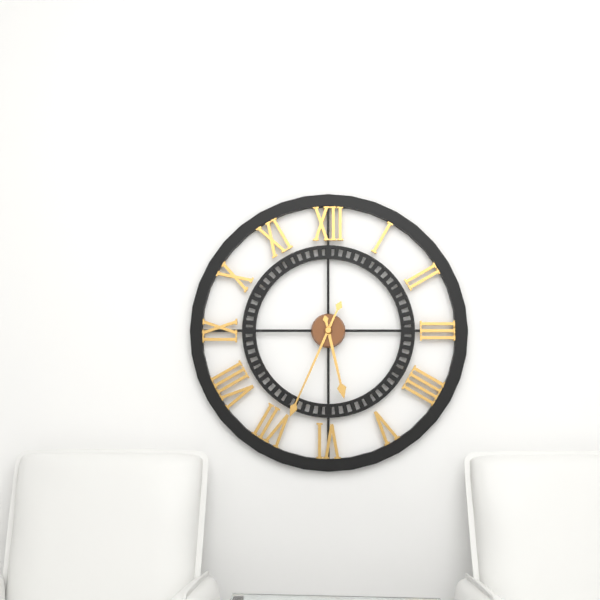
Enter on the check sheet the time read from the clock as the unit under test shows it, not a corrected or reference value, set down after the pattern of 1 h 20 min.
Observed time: 5 h 34 min
